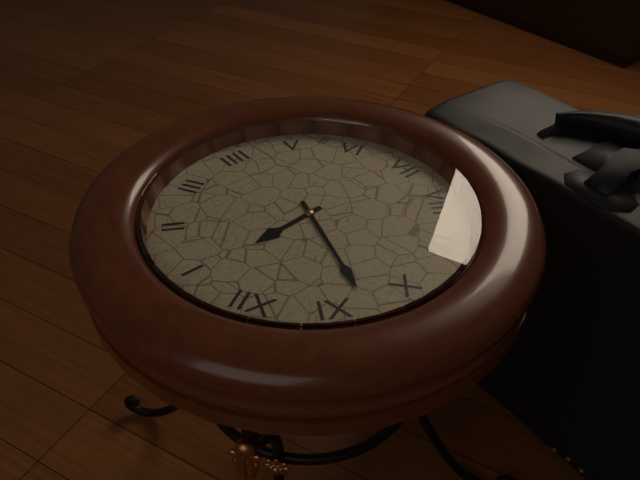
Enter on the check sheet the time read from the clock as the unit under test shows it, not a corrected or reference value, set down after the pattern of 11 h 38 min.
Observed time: 12 h 53 min
